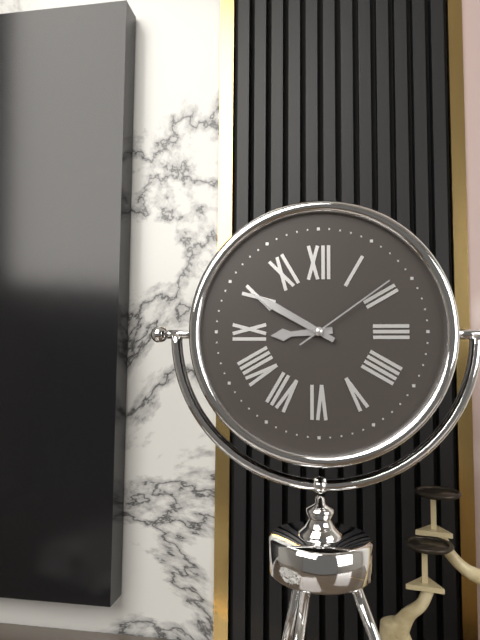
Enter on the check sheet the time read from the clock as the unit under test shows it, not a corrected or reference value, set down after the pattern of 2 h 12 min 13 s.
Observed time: 8 h 50 min 09 s
